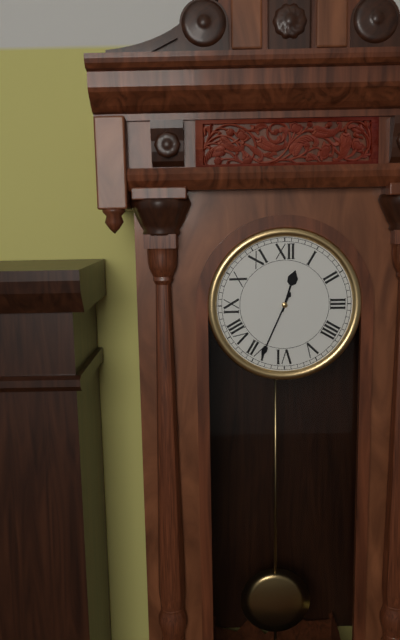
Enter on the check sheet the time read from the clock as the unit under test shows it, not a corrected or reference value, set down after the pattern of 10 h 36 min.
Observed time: 12 h 34 min
